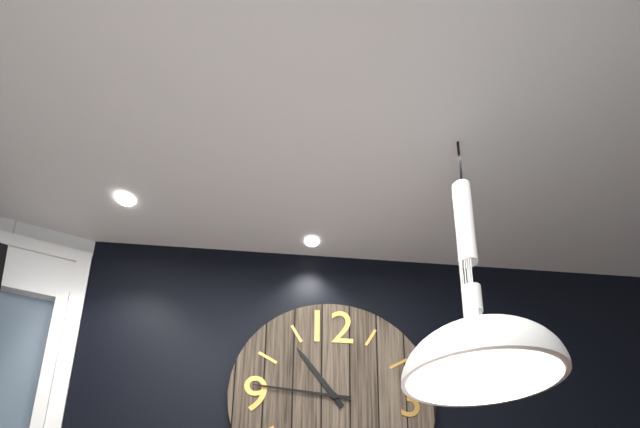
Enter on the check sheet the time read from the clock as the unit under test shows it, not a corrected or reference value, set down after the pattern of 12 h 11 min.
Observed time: 10 h 46 min
